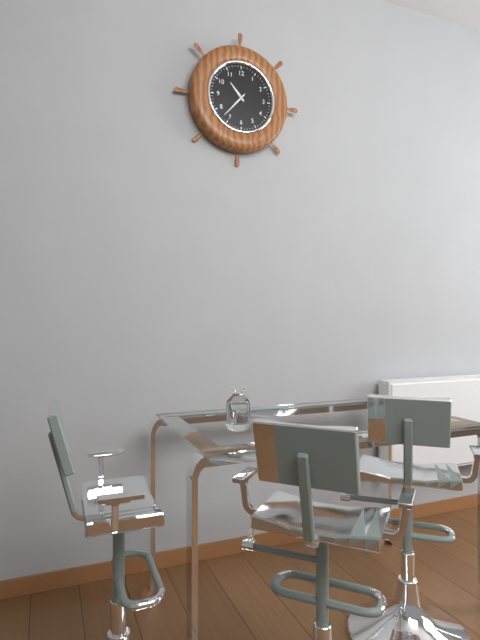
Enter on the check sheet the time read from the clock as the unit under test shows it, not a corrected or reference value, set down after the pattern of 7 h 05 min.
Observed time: 10 h 37 min
